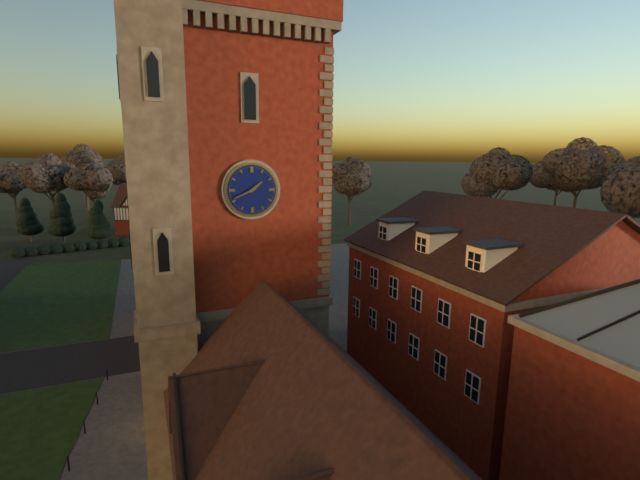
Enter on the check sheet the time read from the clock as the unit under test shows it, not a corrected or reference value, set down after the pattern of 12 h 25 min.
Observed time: 1 h 41 min
